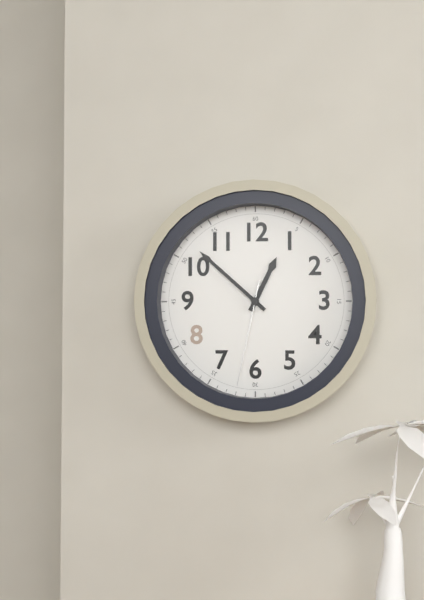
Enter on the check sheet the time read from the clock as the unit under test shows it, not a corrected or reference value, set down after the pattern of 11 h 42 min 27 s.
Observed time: 12 h 52 min 32 s
